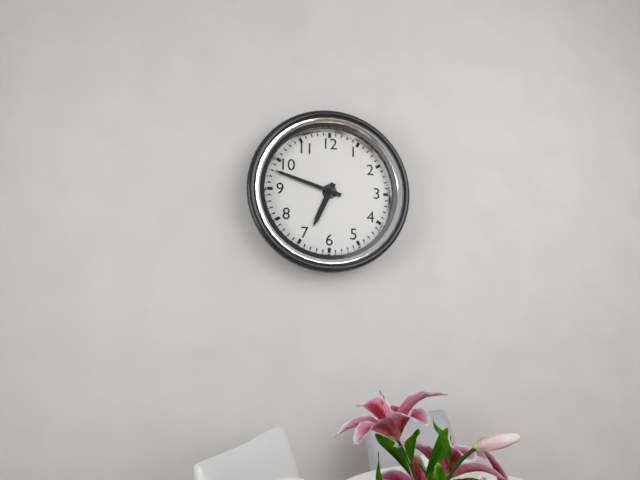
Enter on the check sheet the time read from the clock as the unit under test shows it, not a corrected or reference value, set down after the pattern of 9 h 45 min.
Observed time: 6 h 48 min
